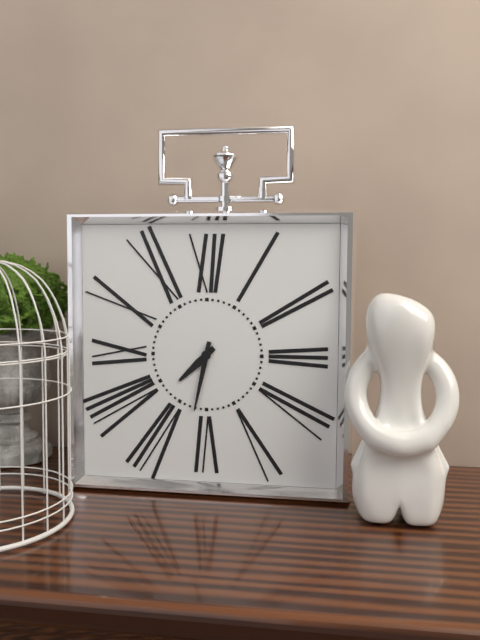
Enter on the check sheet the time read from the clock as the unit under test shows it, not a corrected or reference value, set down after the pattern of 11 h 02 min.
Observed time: 7 h 32 min
